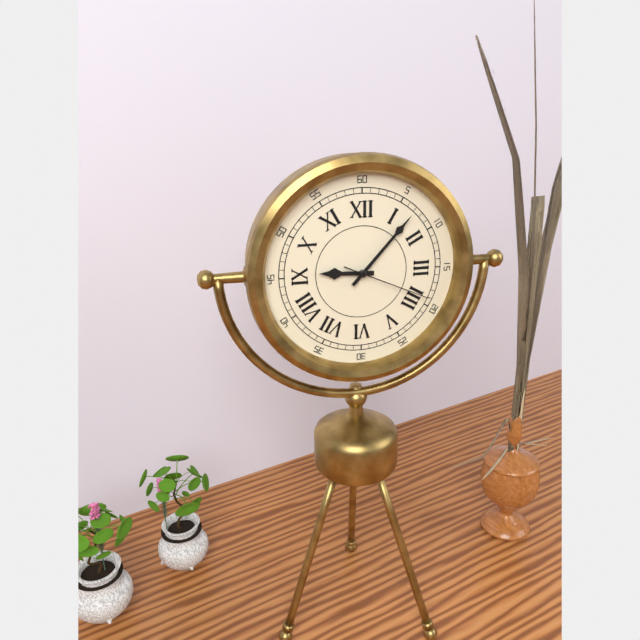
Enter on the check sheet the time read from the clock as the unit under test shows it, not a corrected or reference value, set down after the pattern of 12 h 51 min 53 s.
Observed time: 9 h 07 min 19 s
